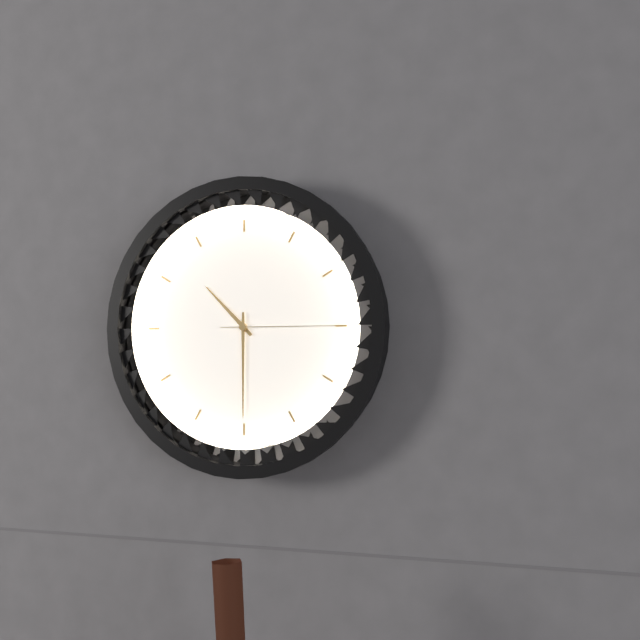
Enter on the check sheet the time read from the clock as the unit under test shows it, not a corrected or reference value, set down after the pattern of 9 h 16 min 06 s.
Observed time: 10 h 30 min 15 s
